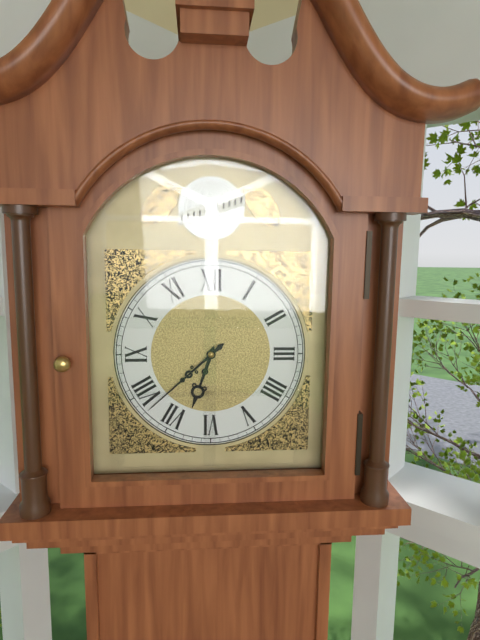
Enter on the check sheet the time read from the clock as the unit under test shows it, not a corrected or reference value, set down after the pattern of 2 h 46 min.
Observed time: 6 h 38 min
